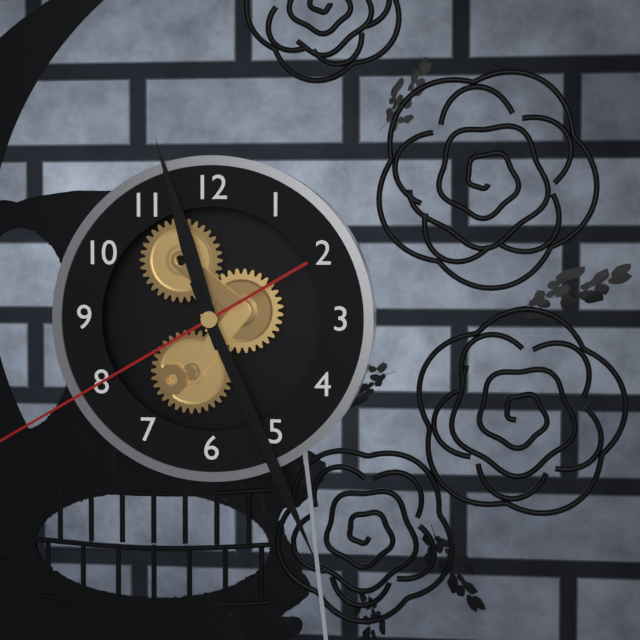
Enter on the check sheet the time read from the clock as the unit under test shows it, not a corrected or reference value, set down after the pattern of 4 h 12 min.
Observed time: 11 h 26 min
